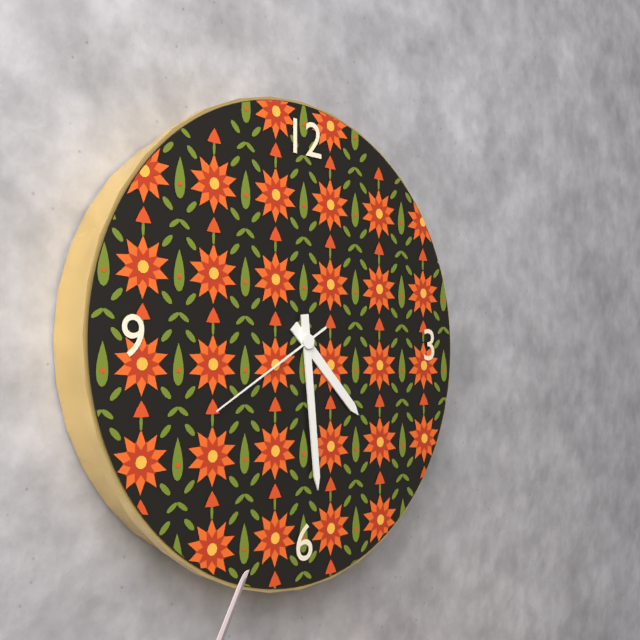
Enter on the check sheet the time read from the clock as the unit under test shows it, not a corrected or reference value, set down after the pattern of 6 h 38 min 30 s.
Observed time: 4 h 29 min 40 s
